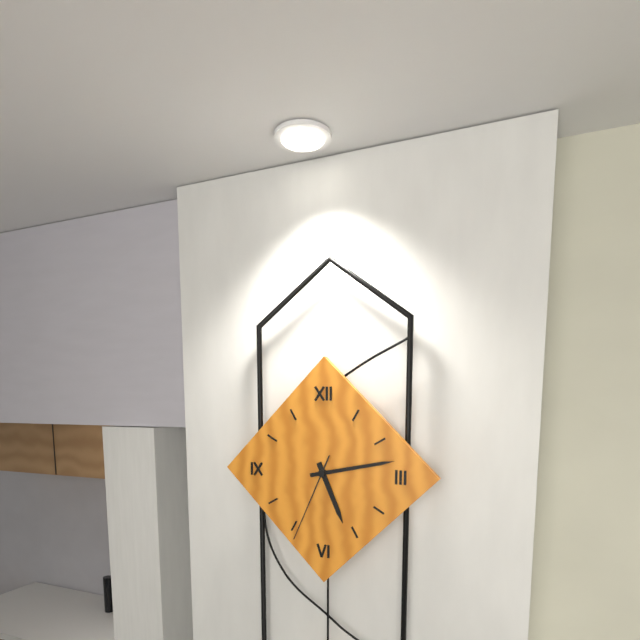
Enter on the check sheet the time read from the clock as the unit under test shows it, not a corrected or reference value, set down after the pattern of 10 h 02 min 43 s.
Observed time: 5 h 13 min 34 s
